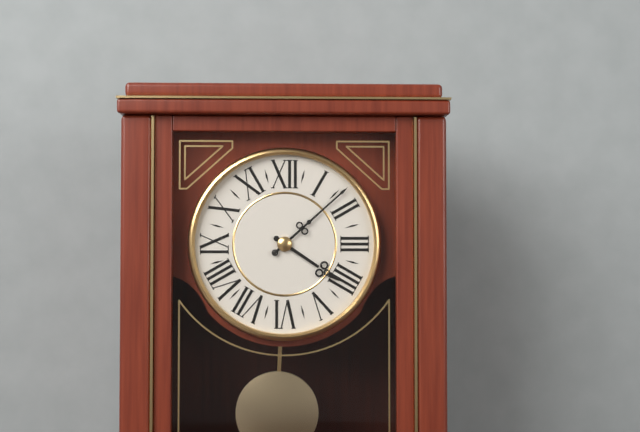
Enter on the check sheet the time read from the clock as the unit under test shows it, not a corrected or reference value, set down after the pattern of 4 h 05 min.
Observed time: 4 h 08 min
